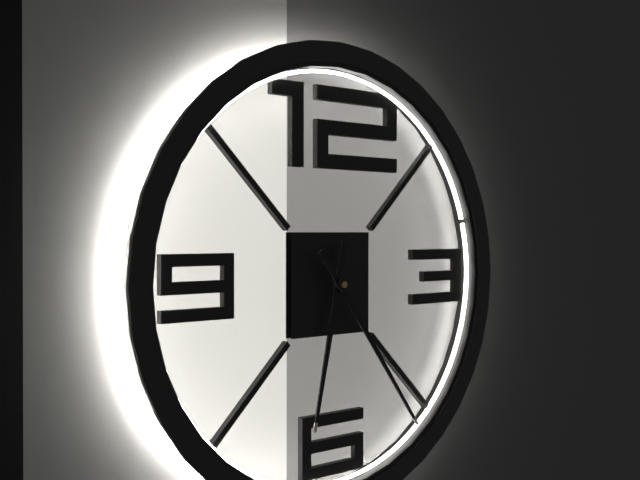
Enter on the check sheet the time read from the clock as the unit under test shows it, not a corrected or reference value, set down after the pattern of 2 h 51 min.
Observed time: 6 h 24 min
